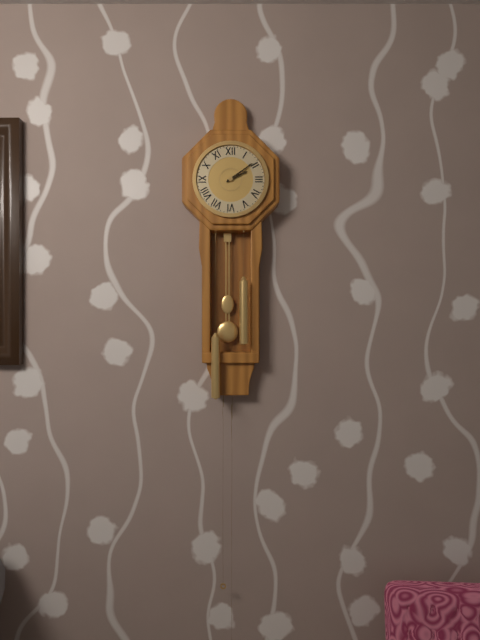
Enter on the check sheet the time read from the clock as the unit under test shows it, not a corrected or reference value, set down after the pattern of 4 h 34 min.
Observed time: 2 h 09 min
